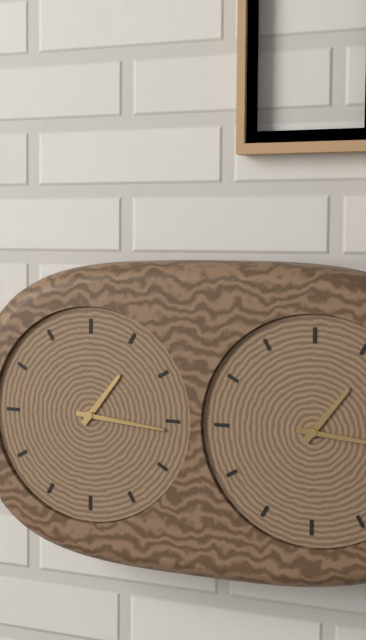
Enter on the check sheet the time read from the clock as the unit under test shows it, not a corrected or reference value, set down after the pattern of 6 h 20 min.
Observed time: 1 h 16 min
